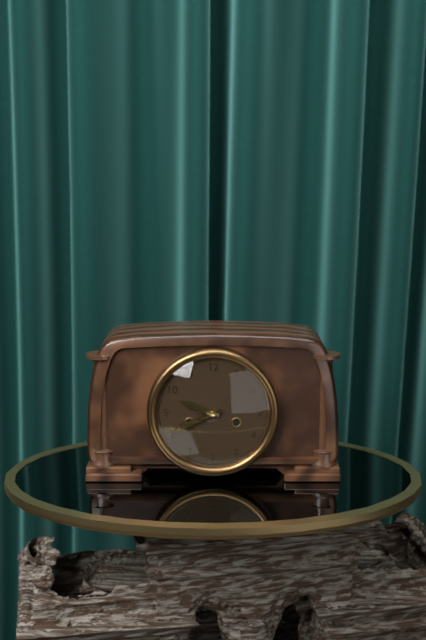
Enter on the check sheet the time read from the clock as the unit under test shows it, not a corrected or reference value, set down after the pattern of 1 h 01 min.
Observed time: 9 h 41 min
